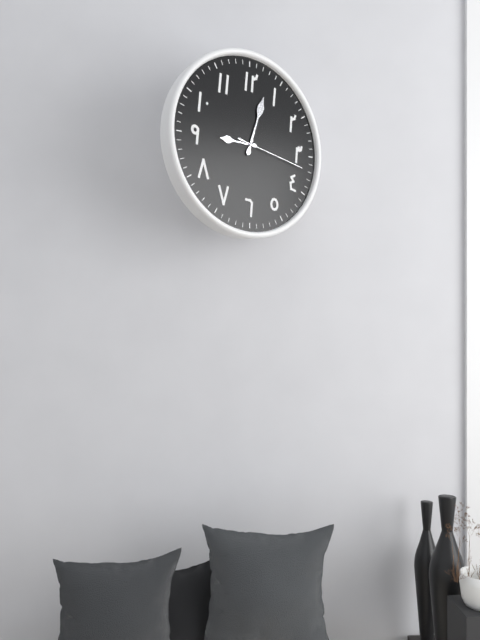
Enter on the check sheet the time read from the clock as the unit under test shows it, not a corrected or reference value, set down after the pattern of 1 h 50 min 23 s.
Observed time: 9 h 03 min 17 s
